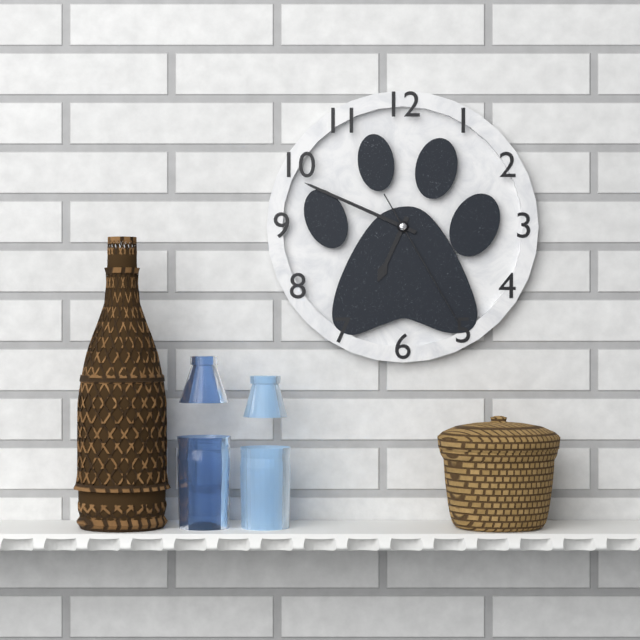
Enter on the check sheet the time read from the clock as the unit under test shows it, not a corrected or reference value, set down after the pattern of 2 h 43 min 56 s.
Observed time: 6 h 49 min 25 s
